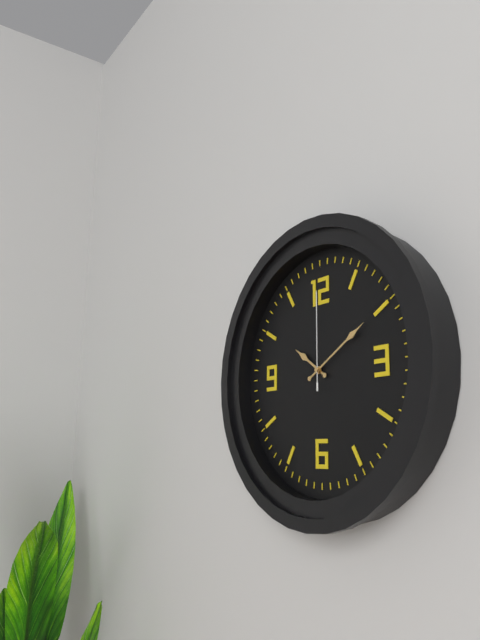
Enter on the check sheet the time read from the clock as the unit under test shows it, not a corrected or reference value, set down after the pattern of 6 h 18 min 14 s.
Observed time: 10 h 10 min 00 s
